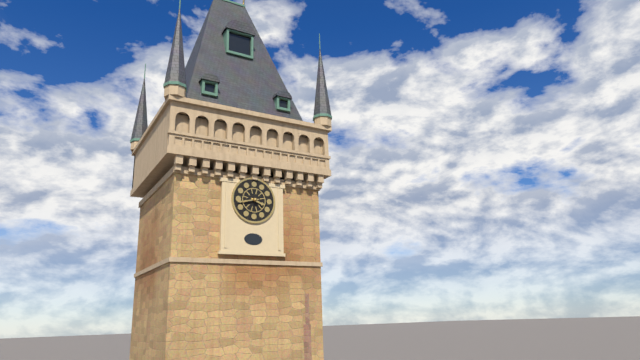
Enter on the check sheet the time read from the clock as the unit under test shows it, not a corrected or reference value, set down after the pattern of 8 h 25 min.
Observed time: 3 h 43 min
